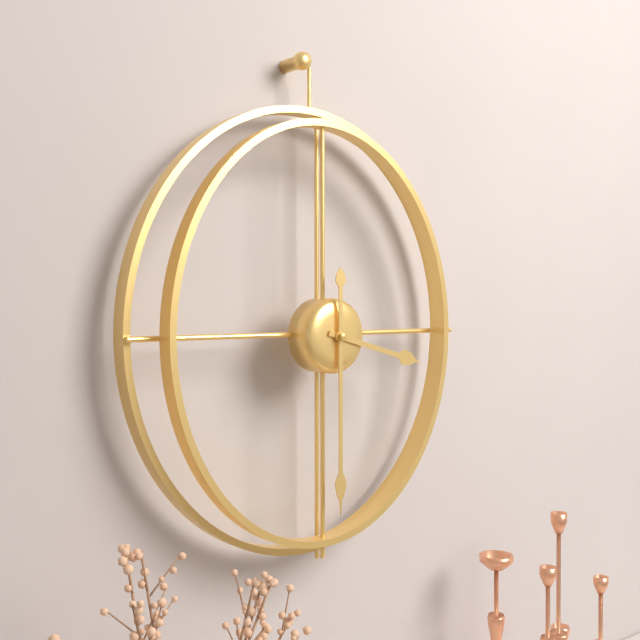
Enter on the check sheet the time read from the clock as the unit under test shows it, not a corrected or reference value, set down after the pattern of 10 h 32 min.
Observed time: 3 h 30 min
